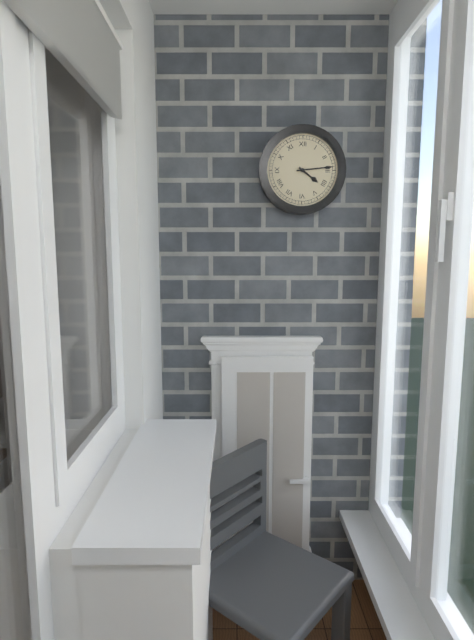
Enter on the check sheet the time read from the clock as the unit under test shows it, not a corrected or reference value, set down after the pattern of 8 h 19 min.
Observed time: 4 h 14 min
